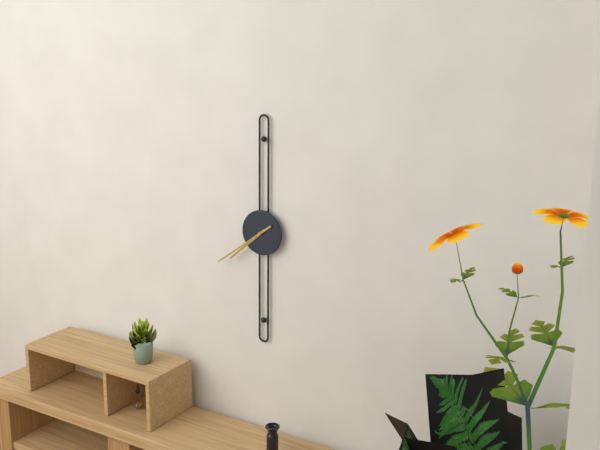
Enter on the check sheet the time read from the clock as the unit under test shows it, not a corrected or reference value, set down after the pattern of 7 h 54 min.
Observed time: 7 h 39 min
